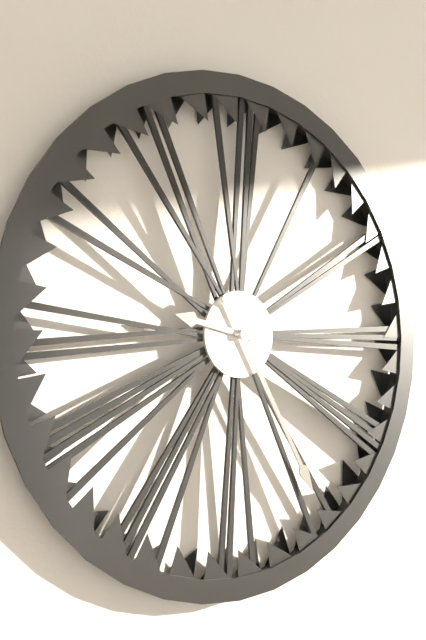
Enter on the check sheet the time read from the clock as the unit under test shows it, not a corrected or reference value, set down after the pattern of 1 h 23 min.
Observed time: 9 h 25 min
